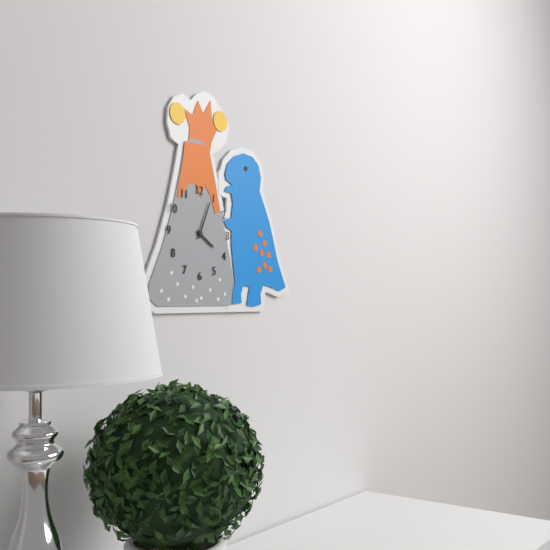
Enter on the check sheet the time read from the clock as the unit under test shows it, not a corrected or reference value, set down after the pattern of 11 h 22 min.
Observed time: 4 h 04 min
